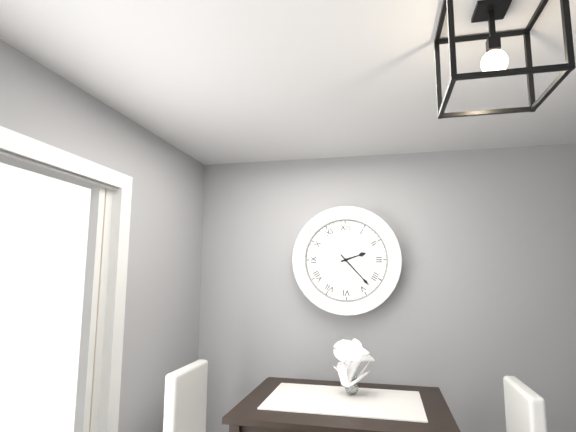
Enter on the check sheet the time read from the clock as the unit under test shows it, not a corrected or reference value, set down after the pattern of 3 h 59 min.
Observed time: 2 h 23 min
